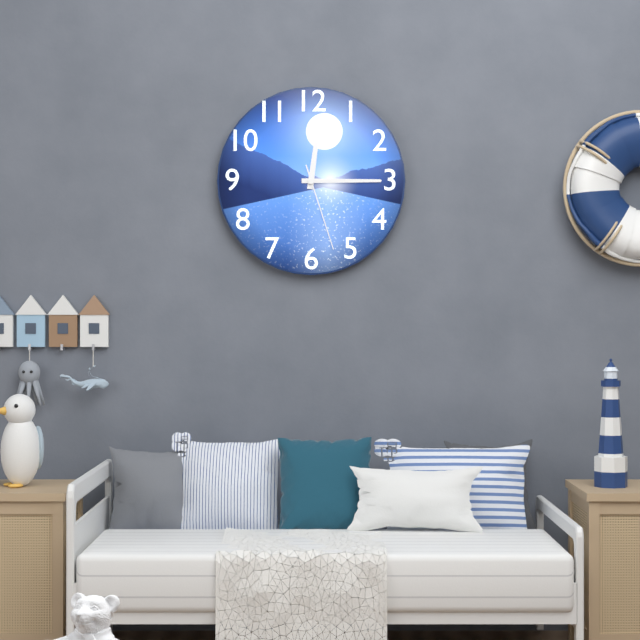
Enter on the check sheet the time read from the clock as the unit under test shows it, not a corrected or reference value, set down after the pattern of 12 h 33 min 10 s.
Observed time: 12 h 15 min 27 s
